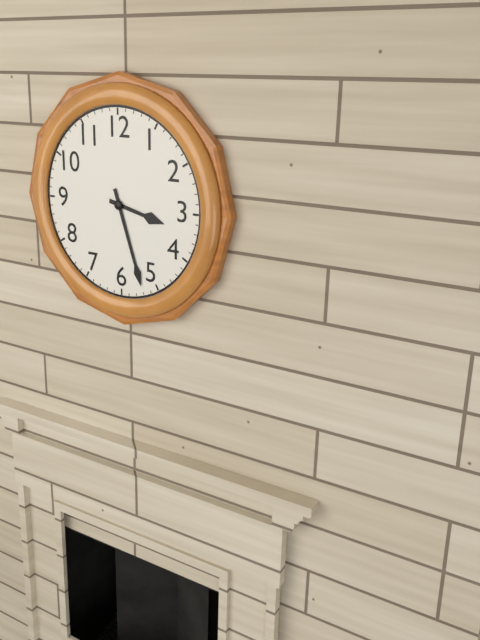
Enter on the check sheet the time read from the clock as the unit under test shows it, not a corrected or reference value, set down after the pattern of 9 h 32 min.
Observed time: 3 h 27 min
